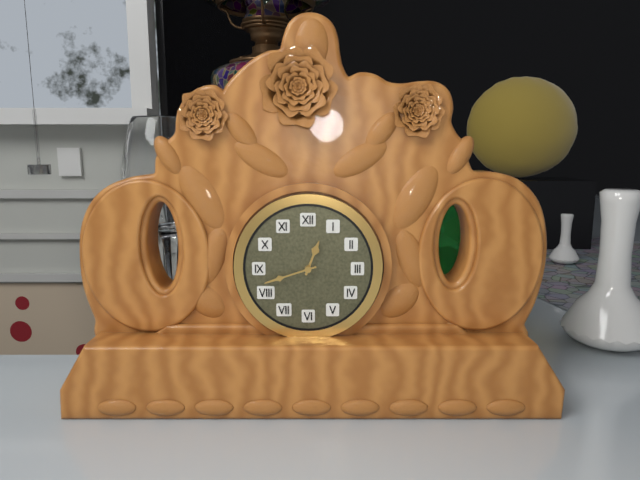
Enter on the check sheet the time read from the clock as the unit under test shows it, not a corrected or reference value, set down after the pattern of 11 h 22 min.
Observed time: 12 h 42 min
